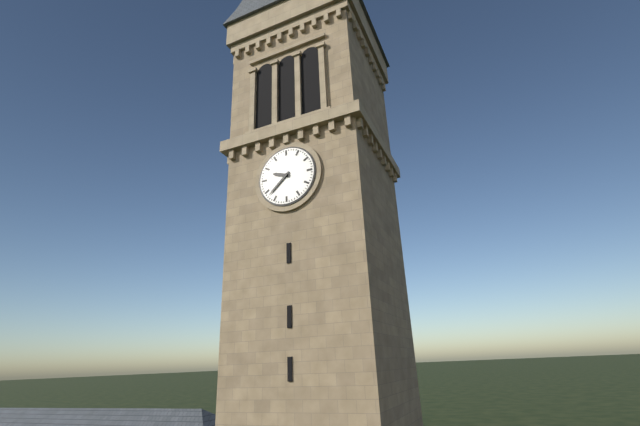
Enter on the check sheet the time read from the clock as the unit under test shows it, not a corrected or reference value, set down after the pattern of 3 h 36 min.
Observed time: 9 h 38 min
